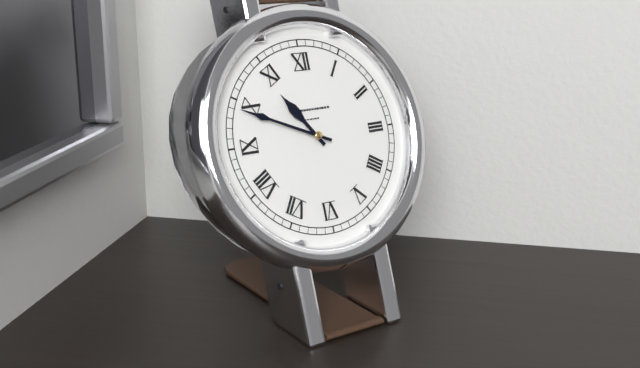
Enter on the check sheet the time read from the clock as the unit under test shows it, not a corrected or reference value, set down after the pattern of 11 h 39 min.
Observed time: 10 h 49 min
